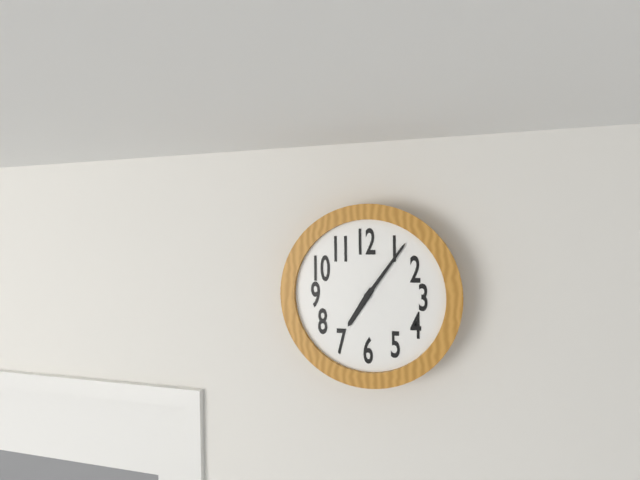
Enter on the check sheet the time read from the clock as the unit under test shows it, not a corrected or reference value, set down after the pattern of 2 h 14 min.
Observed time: 7 h 06 min
